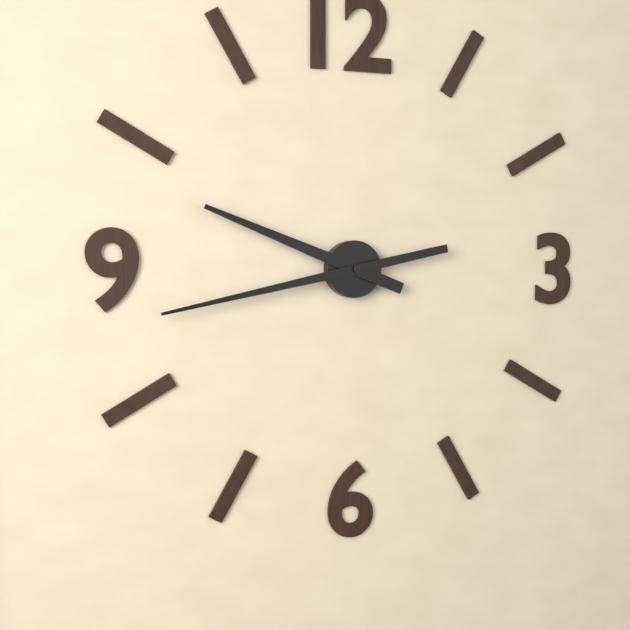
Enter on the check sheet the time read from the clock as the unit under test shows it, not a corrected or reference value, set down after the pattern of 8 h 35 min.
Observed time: 9 h 43 min
